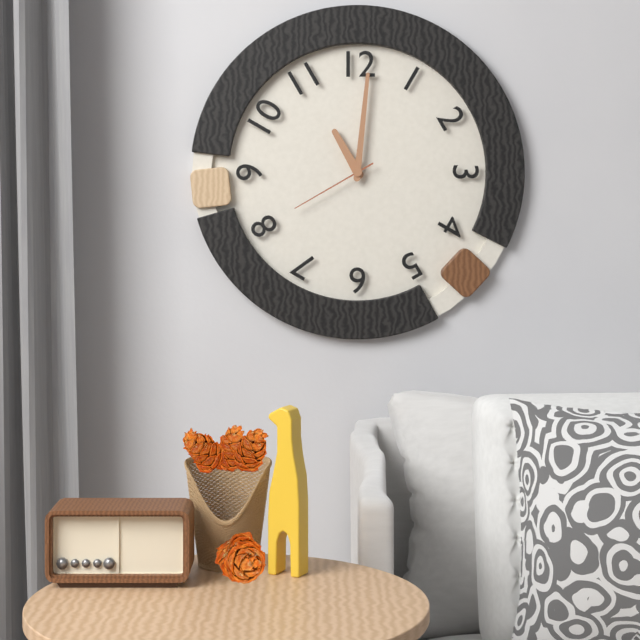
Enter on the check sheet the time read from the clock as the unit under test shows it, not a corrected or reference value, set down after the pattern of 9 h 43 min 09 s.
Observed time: 11 h 01 min 40 s
